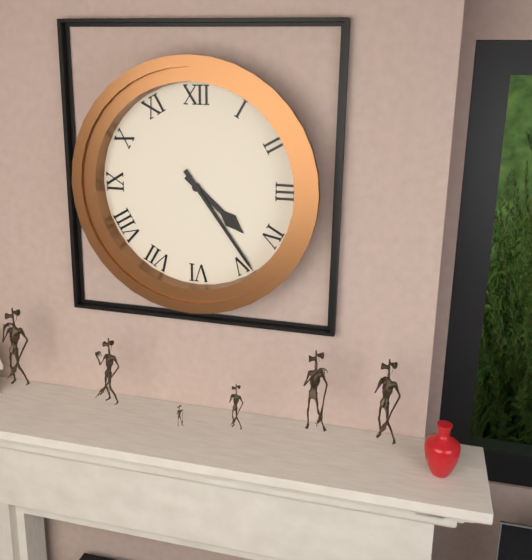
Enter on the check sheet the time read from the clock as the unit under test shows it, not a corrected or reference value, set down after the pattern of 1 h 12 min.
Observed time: 4 h 24 min
